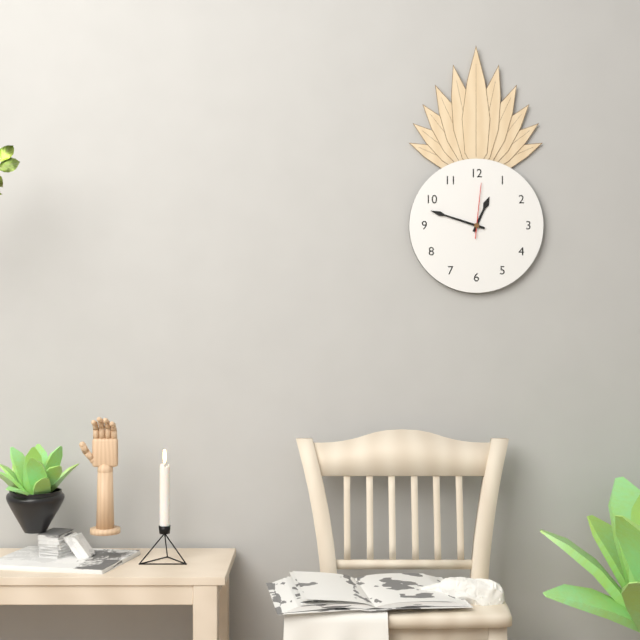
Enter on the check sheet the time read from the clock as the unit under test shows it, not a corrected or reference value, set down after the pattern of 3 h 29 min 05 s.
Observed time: 12 h 48 min 01 s
